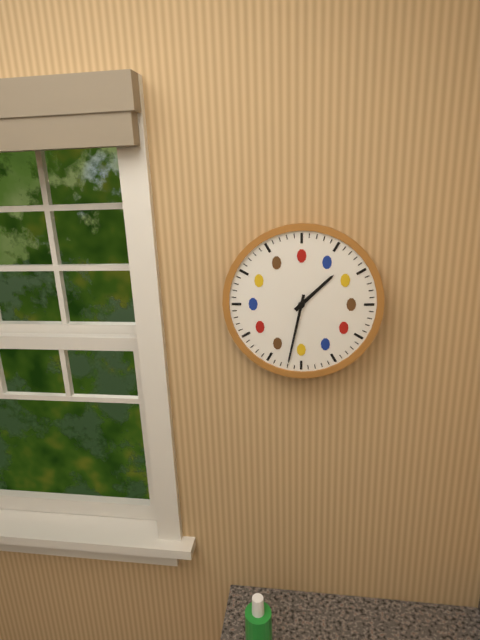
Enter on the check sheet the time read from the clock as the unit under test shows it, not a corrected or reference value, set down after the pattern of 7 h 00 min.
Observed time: 1 h 32 min
